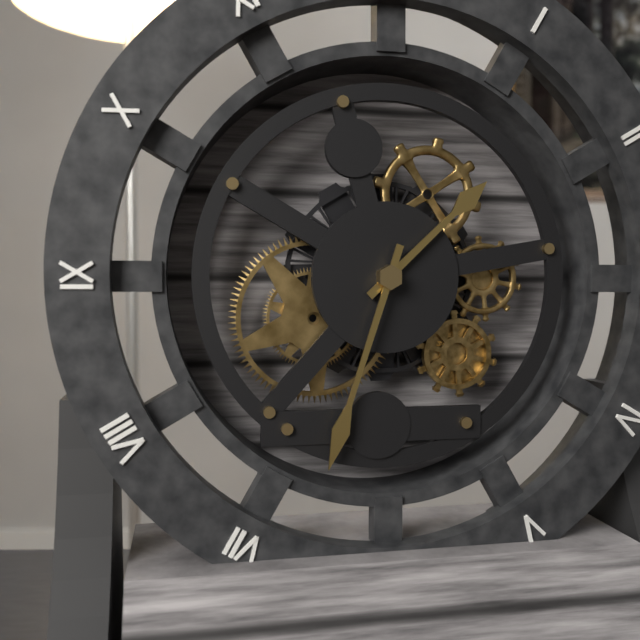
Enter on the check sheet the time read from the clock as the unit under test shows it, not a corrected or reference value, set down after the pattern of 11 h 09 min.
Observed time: 1 h 33 min
